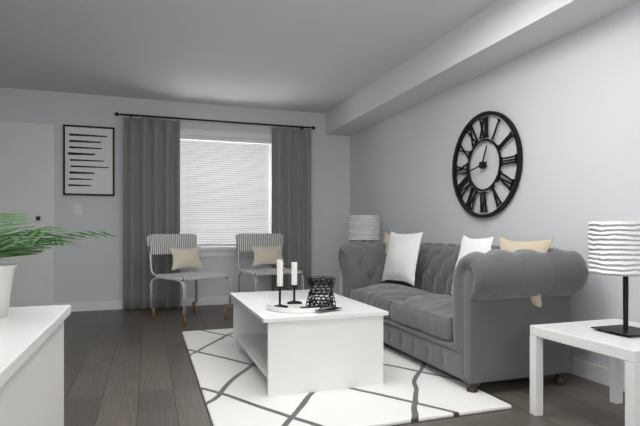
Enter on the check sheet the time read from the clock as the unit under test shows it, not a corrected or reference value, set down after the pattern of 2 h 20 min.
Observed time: 12 h 43 min
